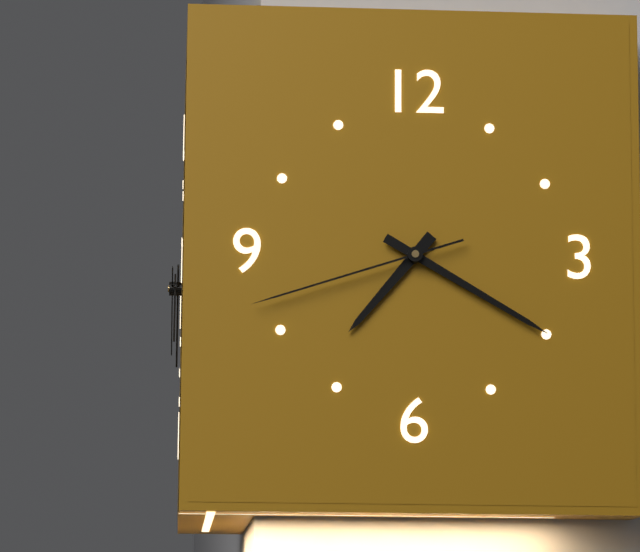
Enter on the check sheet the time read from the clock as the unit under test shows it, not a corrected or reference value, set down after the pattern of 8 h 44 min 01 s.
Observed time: 7 h 20 min 42 s
